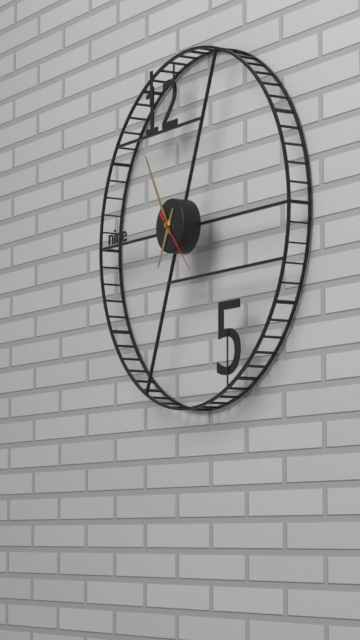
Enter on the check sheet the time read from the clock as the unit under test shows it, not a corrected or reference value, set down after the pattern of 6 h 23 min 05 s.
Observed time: 6 h 55 min 23 s
